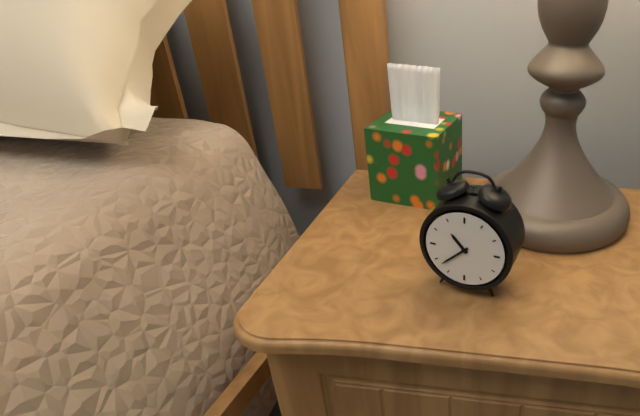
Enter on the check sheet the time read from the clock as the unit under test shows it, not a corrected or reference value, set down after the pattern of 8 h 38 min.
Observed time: 10 h 38 min
